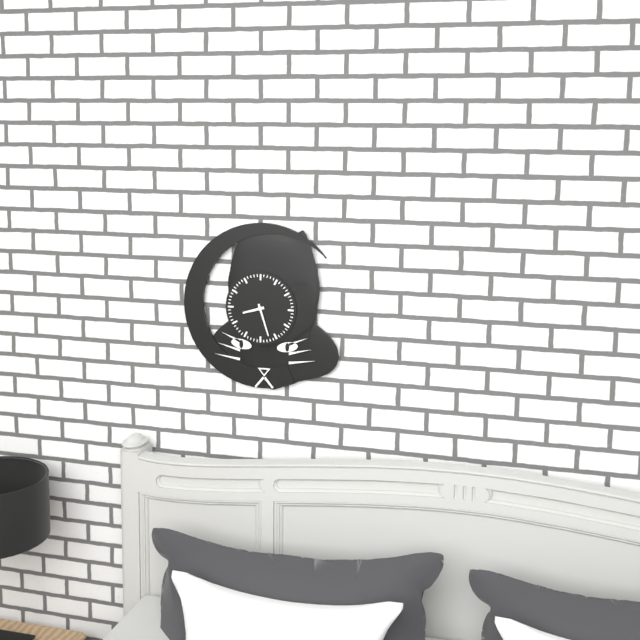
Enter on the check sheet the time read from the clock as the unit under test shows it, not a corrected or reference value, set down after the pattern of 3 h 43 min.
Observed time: 8 h 27 min
